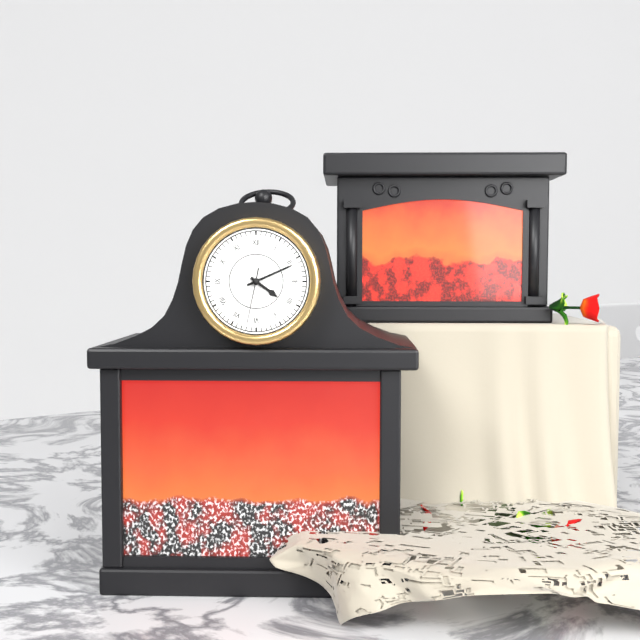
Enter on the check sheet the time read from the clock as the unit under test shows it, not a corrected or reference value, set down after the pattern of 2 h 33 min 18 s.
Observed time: 4 h 11 min 32 s
